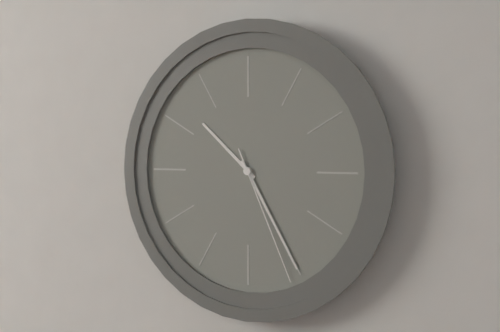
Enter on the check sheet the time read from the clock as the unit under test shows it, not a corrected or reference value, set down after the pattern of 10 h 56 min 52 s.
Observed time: 10 h 25 min 26 s
